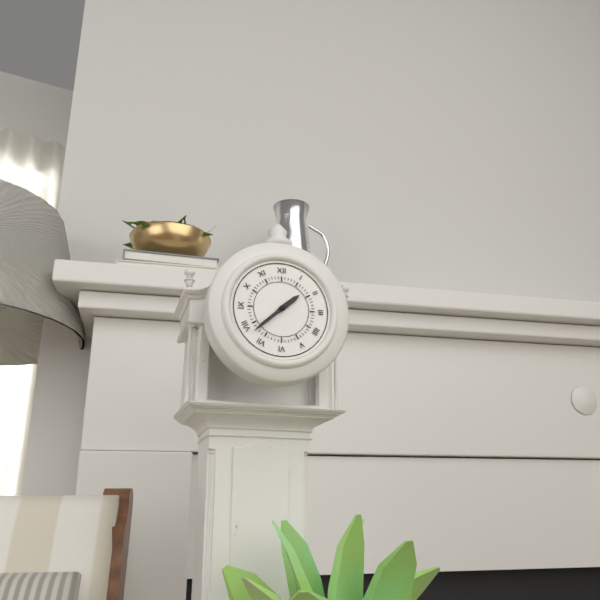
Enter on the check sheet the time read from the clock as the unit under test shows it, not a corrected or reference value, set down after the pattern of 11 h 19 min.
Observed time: 1 h 38 min
